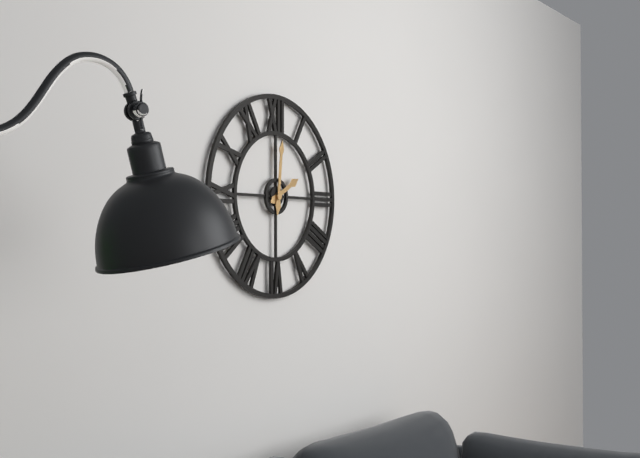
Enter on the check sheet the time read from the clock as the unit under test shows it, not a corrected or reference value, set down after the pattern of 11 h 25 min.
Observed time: 2 h 01 min
